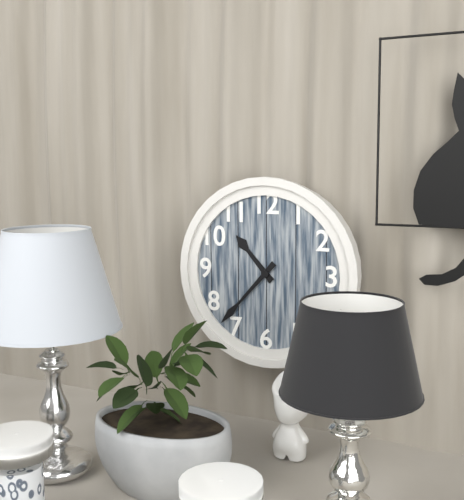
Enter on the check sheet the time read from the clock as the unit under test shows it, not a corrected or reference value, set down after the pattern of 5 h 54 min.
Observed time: 10 h 37 min
